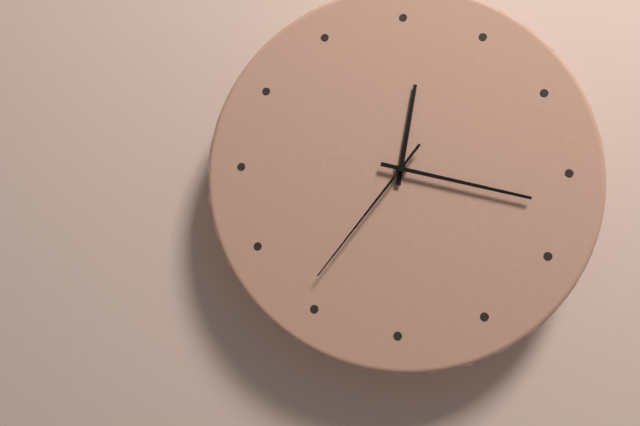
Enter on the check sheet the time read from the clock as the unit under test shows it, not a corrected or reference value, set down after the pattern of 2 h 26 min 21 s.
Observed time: 12 h 17 min 36 s
